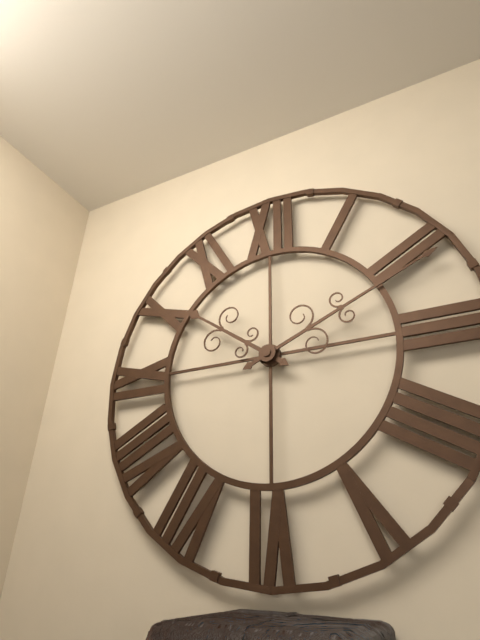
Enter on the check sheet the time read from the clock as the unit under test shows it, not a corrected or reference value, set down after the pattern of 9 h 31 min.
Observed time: 10 h 11 min
